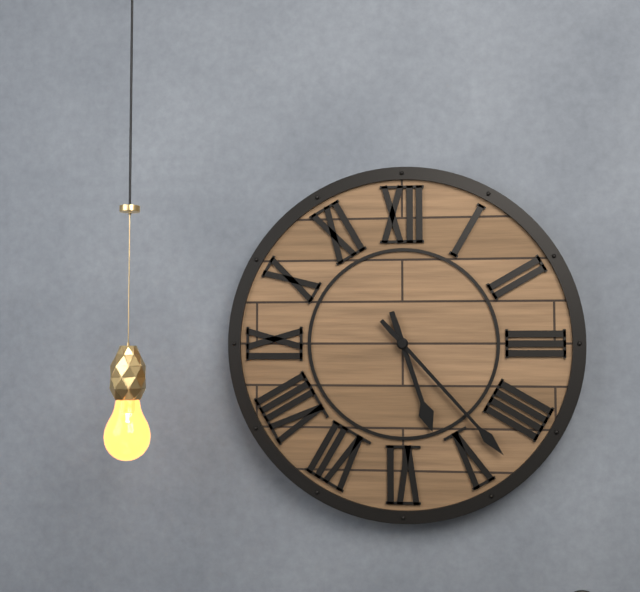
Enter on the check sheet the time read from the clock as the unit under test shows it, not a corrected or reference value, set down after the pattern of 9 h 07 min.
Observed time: 5 h 23 min
